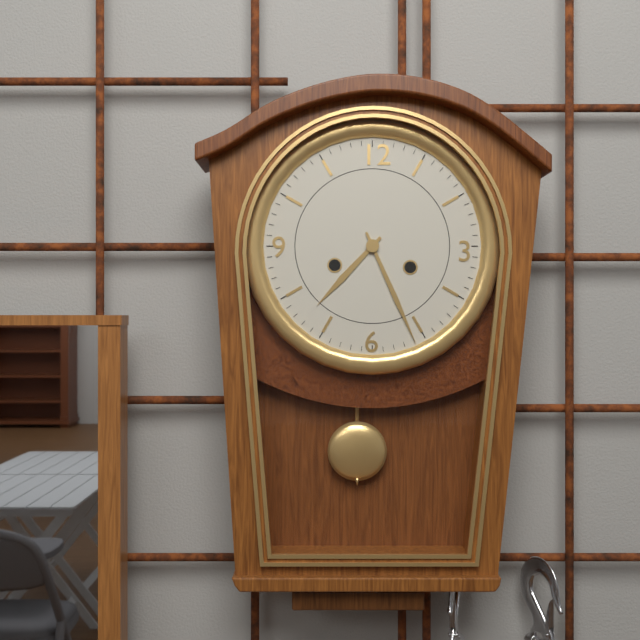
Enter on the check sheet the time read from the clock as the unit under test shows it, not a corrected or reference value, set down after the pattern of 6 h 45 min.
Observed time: 7 h 26 min
